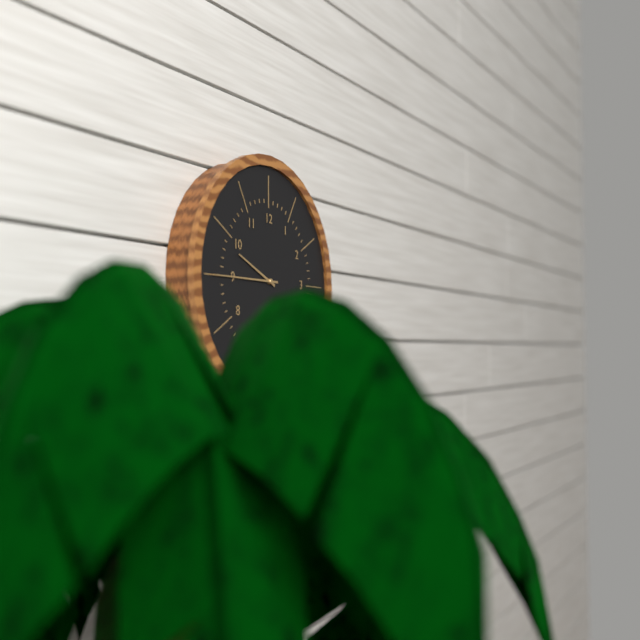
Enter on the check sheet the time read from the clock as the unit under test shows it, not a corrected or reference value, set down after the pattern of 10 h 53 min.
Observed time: 9 h 45 min
